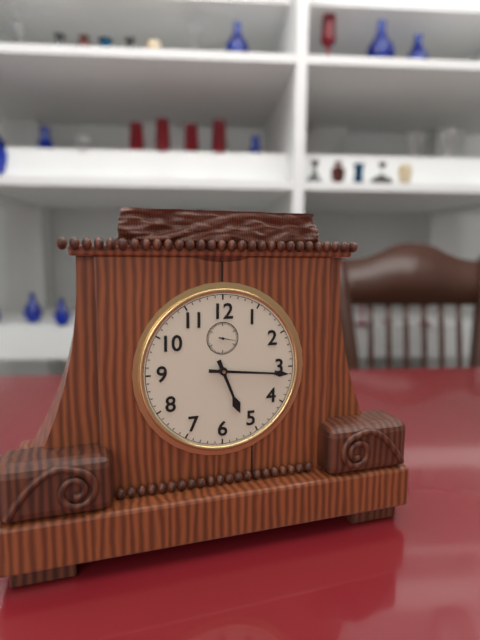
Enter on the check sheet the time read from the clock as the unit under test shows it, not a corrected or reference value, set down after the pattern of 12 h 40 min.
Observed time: 5 h 16 min
